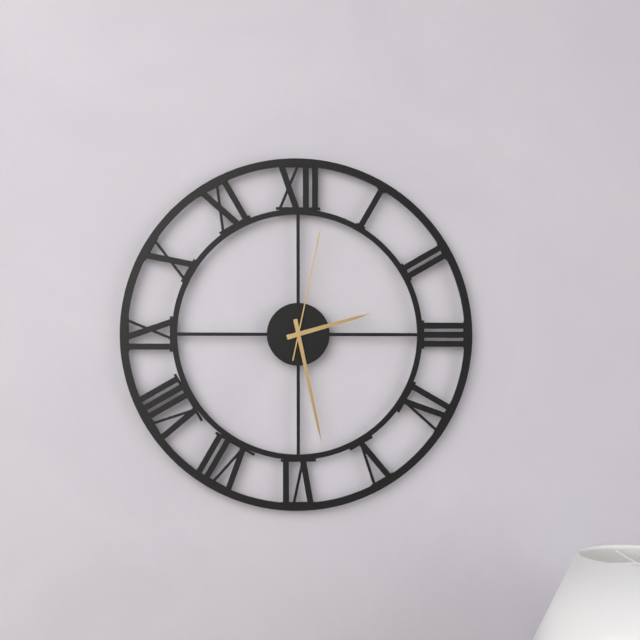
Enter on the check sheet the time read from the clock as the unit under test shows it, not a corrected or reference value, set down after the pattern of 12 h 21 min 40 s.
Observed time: 2 h 28 min 02 s
